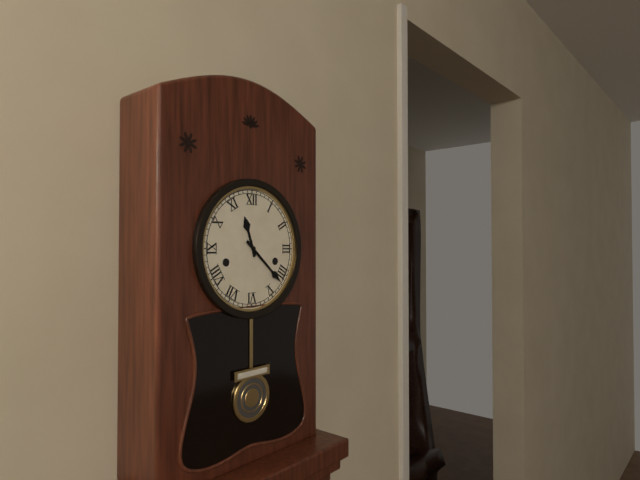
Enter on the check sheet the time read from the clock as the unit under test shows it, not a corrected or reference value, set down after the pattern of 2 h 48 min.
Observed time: 11 h 22 min
